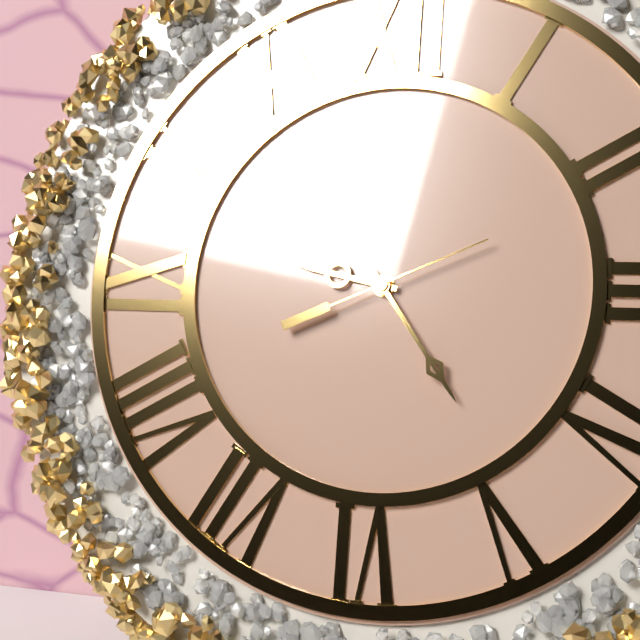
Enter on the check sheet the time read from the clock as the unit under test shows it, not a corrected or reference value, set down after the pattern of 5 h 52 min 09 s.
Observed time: 9 h 24 min 11 s
